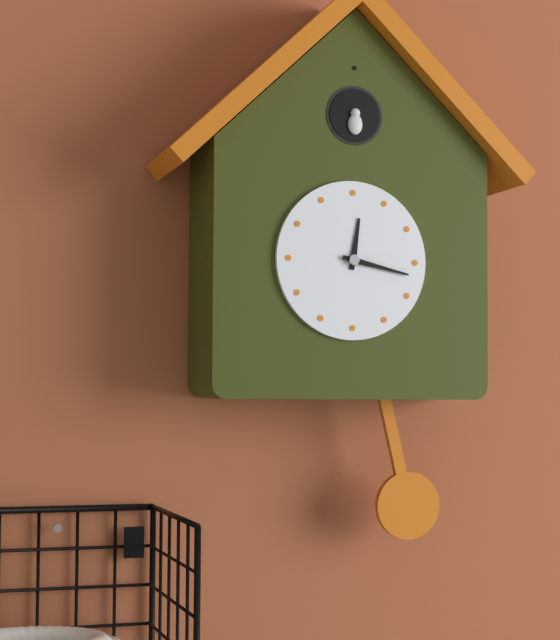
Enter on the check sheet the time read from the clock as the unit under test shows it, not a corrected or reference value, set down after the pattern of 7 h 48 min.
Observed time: 12 h 17 min
